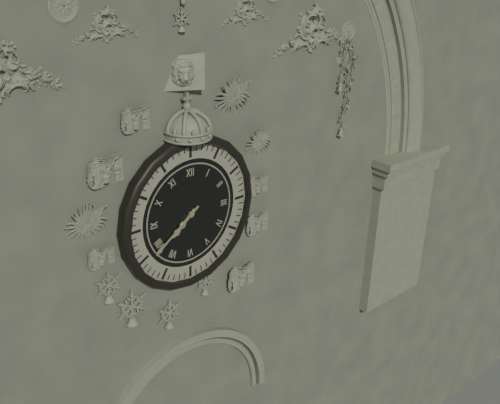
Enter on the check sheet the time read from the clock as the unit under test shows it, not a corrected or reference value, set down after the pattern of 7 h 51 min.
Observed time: 7 h 39 min
